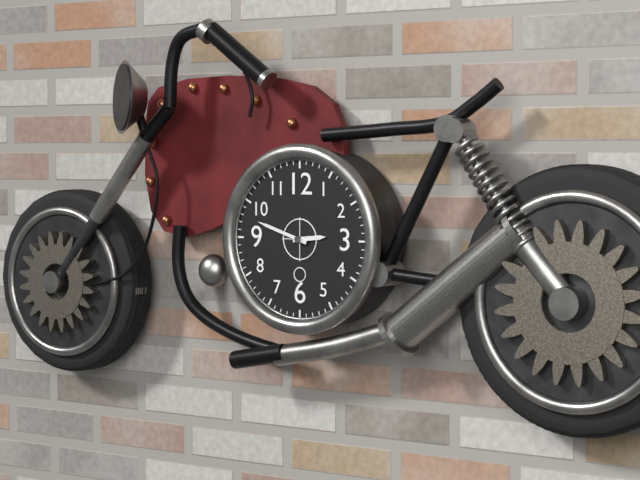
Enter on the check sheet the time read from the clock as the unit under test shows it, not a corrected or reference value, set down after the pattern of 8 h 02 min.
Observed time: 2 h 48 min
